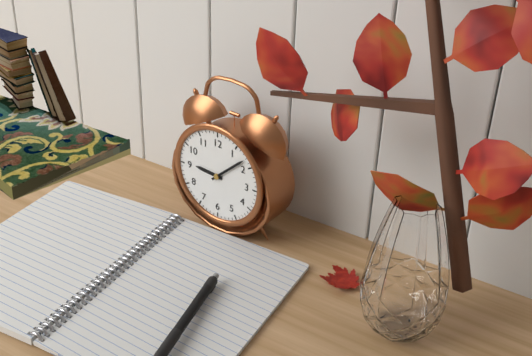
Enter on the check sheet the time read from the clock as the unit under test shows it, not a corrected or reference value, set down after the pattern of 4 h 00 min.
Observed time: 9 h 08 min
